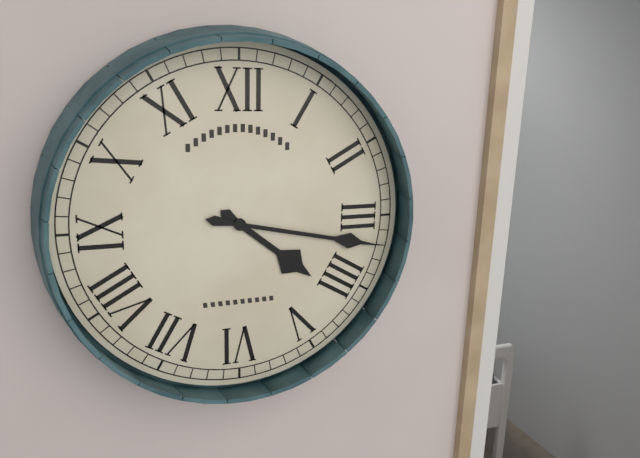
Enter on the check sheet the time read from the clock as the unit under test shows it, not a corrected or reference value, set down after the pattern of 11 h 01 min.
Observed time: 4 h 17 min
